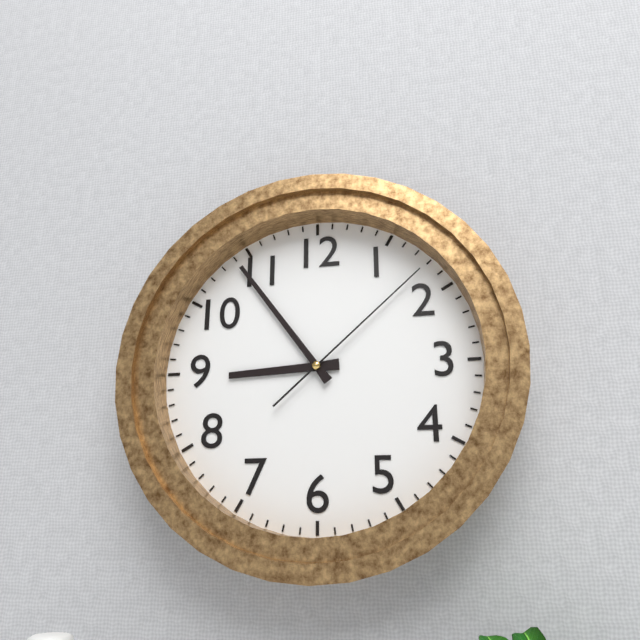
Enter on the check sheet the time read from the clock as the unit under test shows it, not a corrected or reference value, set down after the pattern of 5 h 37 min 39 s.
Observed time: 8 h 54 min 08 s
